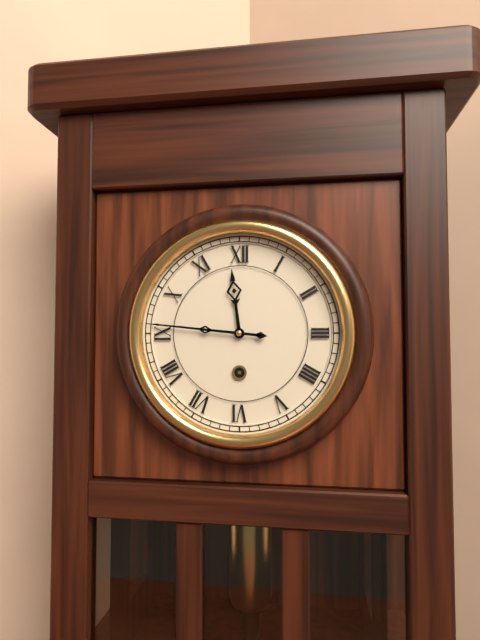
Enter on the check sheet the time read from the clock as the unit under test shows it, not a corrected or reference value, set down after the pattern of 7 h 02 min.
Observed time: 11 h 46 min
